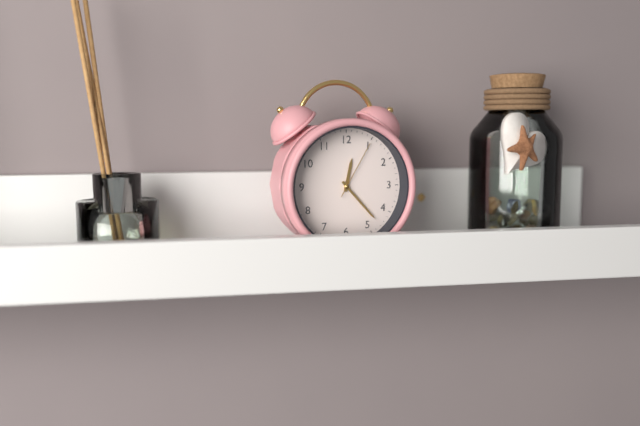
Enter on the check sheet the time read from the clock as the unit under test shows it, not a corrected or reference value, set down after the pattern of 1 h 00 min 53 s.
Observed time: 12 h 23 min 05 s
